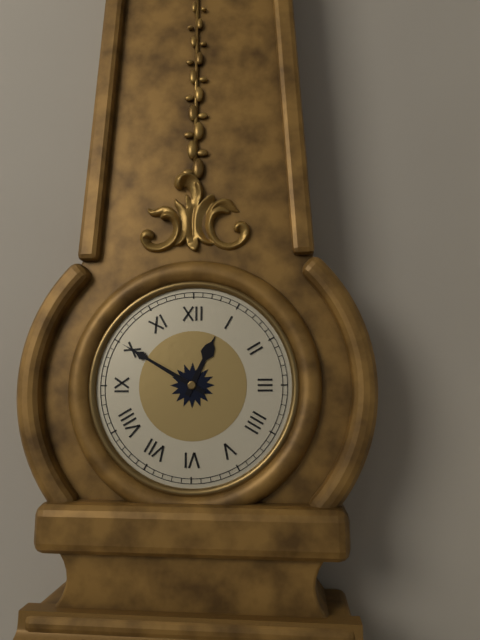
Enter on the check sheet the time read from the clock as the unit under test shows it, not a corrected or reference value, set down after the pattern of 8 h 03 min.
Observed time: 12 h 50 min
